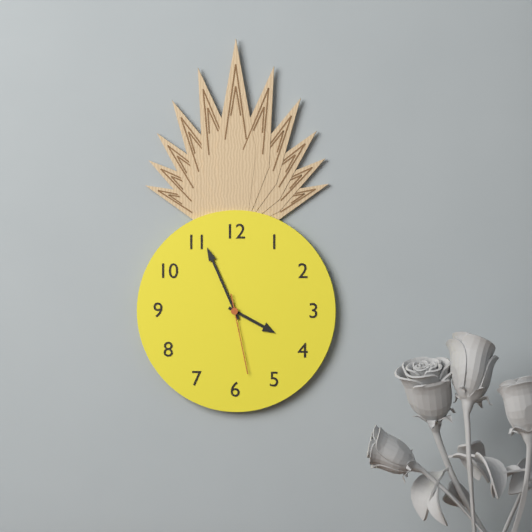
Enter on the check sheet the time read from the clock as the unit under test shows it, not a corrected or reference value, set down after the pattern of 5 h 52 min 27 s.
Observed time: 3 h 56 min 28 s
